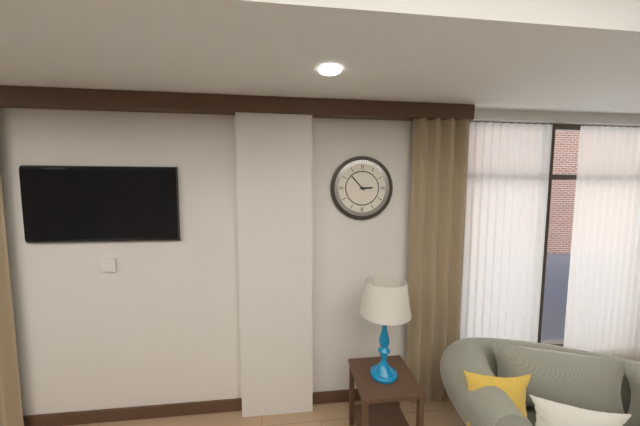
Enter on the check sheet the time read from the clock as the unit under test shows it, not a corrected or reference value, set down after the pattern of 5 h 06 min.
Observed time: 2 h 53 min
